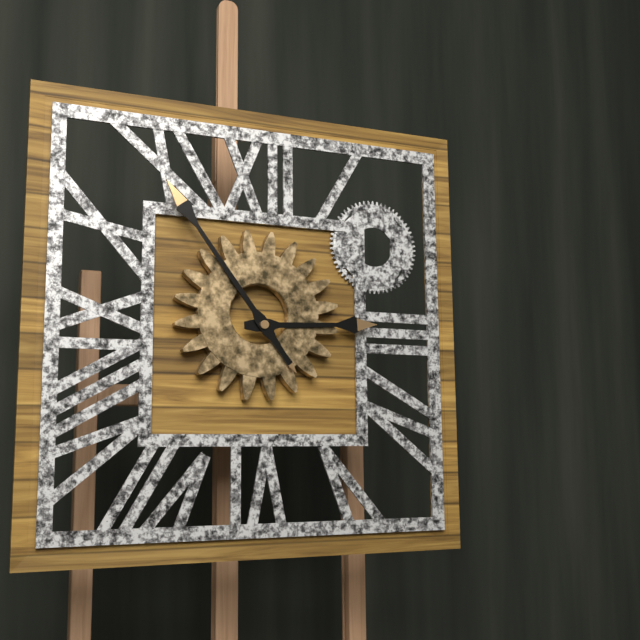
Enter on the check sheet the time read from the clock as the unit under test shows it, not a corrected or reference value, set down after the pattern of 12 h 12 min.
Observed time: 2 h 54 min
